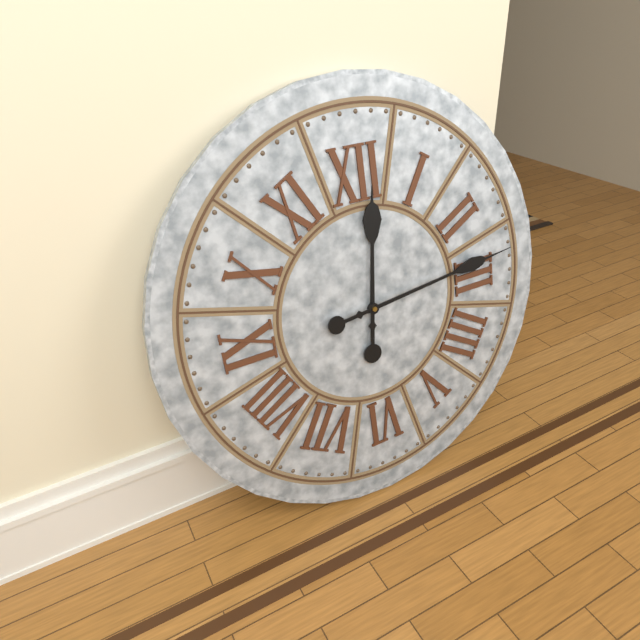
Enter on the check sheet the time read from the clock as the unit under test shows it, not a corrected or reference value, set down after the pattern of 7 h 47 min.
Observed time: 12 h 14 min
